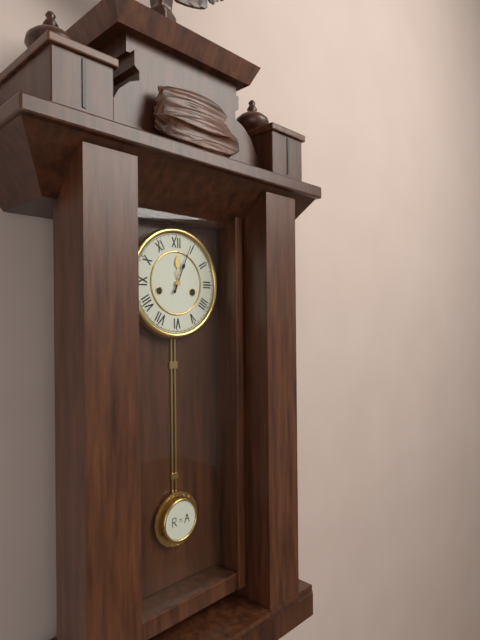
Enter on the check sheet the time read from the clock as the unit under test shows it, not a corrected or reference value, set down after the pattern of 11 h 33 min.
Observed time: 12 h 04 min
